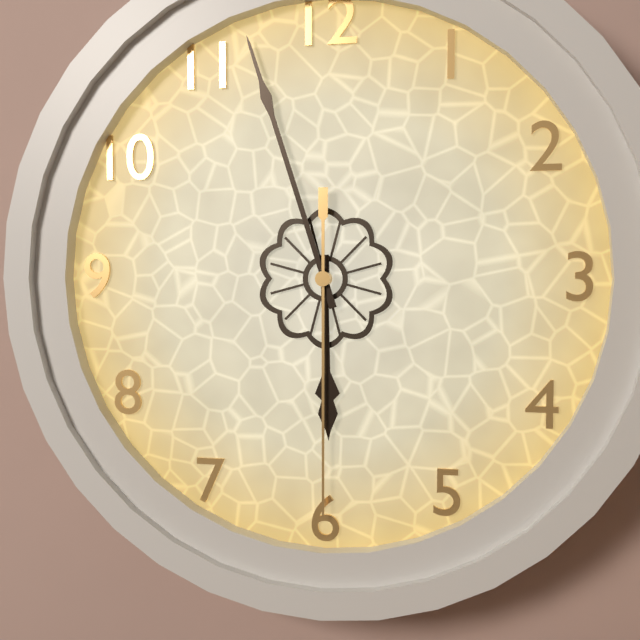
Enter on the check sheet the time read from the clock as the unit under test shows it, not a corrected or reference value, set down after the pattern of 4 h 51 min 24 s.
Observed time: 5 h 57 min 30 s
